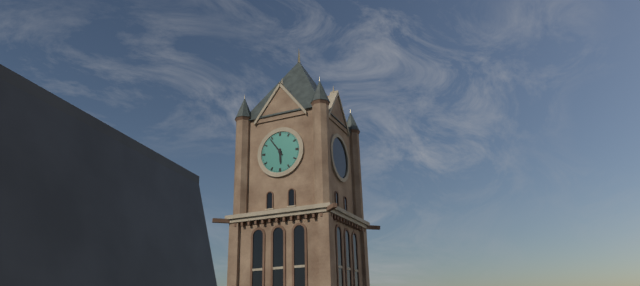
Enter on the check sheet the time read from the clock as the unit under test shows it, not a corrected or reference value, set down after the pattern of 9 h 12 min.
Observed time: 5 h 54 min
